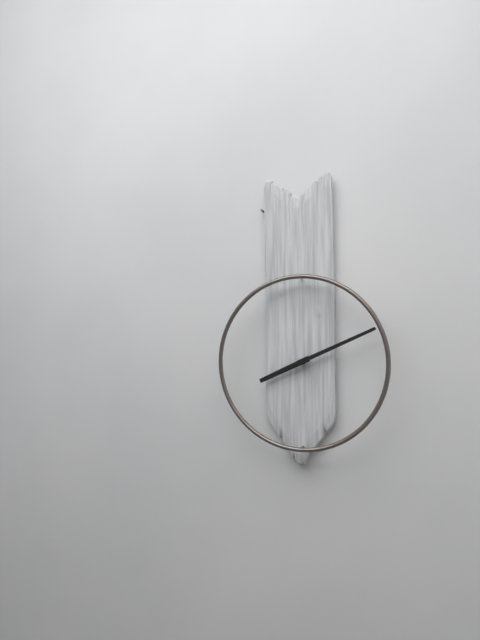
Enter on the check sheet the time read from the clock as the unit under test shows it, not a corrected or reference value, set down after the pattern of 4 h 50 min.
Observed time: 8 h 11 min
